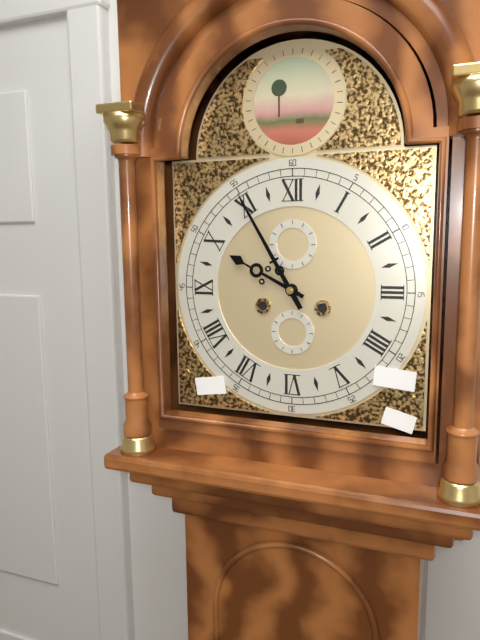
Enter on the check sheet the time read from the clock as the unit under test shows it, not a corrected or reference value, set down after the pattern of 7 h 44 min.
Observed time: 9 h 55 min
